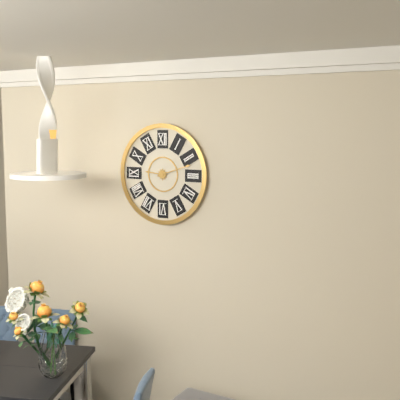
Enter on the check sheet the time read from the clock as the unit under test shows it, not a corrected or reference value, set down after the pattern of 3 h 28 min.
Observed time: 9 h 12 min
